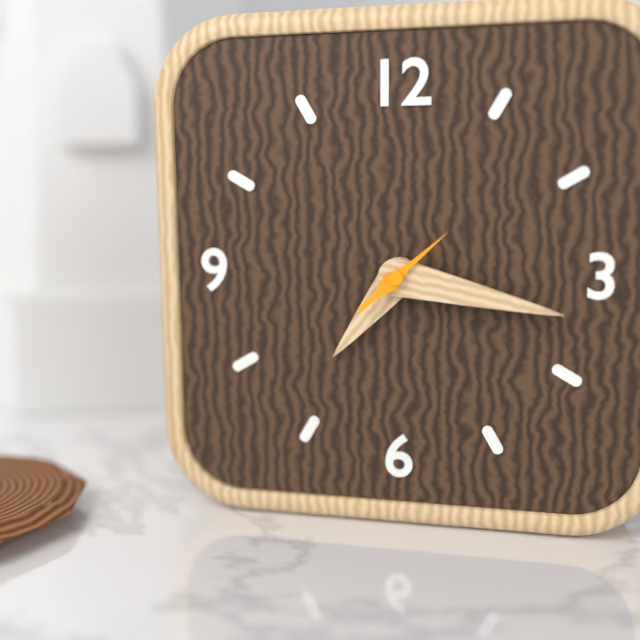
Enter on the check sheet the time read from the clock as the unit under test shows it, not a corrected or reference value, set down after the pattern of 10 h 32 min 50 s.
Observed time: 7 h 17 min 08 s
